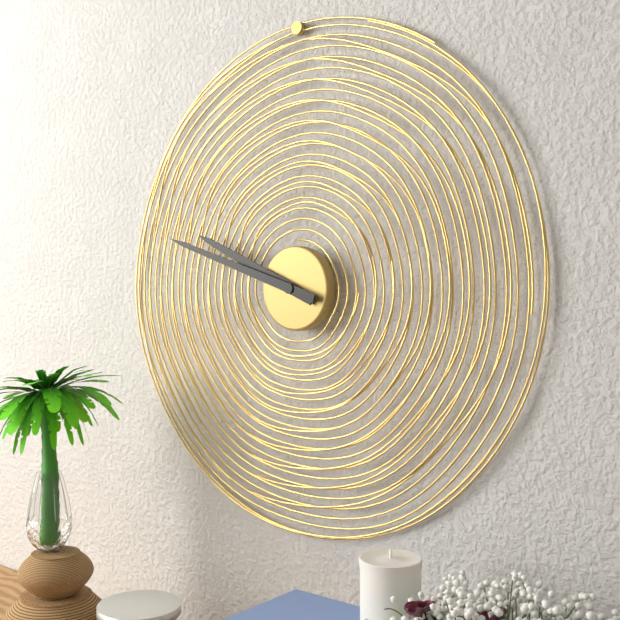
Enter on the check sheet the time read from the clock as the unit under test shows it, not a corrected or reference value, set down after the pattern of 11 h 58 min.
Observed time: 9 h 48 min
